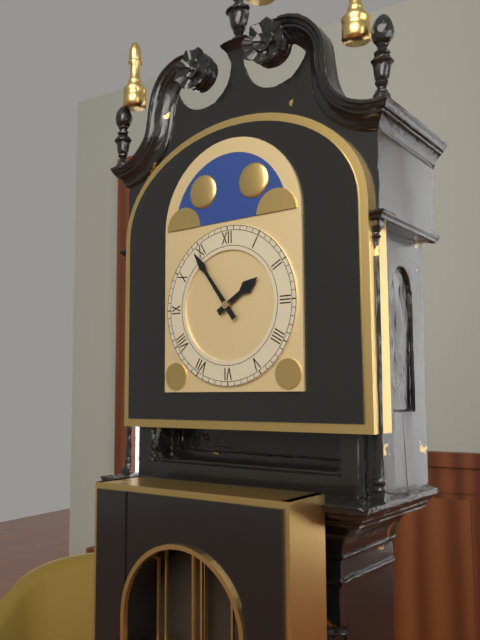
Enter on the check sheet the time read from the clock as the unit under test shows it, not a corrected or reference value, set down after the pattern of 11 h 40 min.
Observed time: 1 h 54 min
